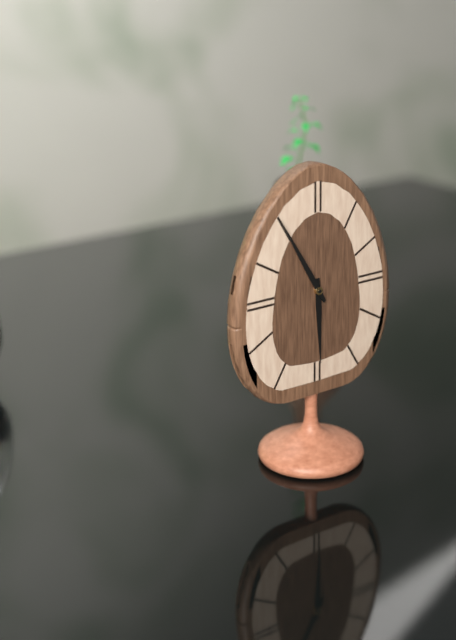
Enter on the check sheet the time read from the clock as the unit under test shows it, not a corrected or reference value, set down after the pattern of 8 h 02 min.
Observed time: 5 h 55 min
